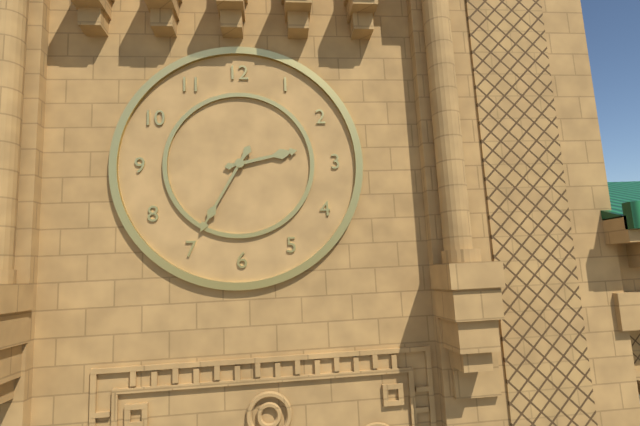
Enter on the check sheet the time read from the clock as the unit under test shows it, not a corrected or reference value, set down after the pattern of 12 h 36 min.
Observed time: 2 h 35 min
